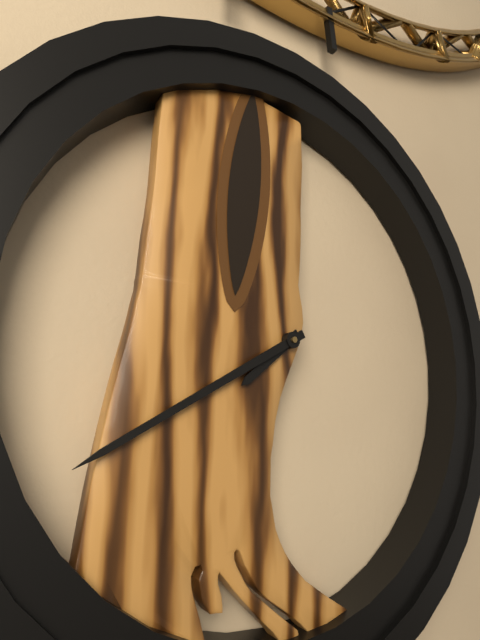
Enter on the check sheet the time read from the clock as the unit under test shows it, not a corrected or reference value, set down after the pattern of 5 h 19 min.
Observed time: 7 h 40 min
